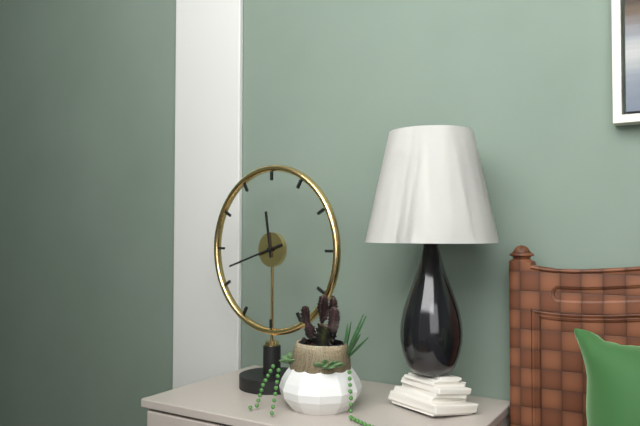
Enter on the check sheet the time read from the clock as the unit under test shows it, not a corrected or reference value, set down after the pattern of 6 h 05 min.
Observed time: 11 h 42 min
